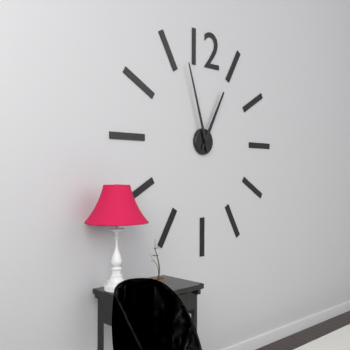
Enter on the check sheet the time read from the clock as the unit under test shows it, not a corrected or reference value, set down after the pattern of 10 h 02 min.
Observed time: 12 h 57 min
